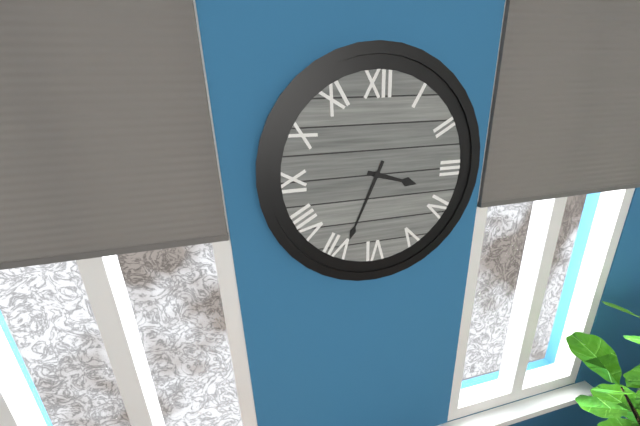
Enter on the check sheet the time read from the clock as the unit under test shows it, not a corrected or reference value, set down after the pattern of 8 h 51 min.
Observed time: 3 h 34 min
